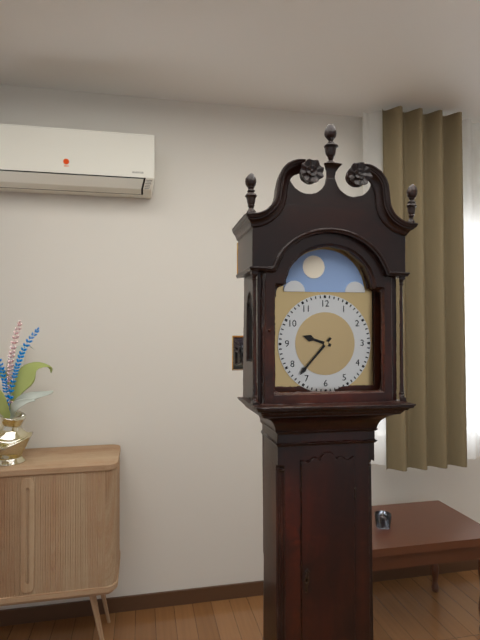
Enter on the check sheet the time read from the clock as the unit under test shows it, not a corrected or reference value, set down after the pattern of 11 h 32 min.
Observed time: 9 h 37 min
